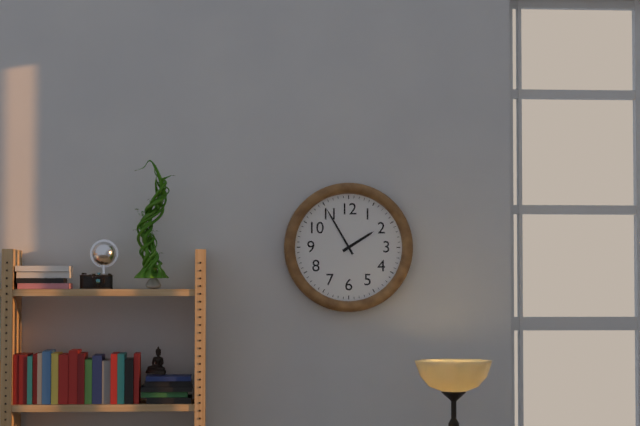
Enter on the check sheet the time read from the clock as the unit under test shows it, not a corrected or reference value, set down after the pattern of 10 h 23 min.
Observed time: 1 h 55 min
